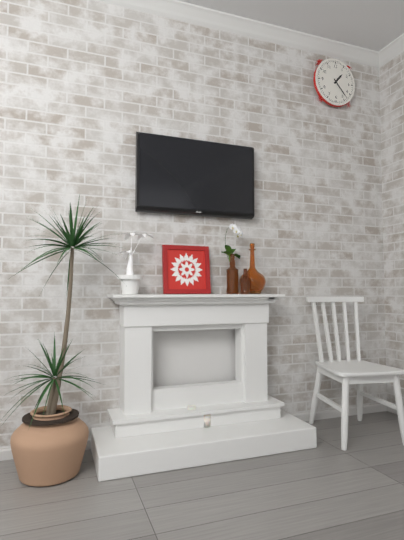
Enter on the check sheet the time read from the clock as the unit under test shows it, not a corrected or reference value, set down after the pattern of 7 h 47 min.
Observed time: 1 h 23 min
